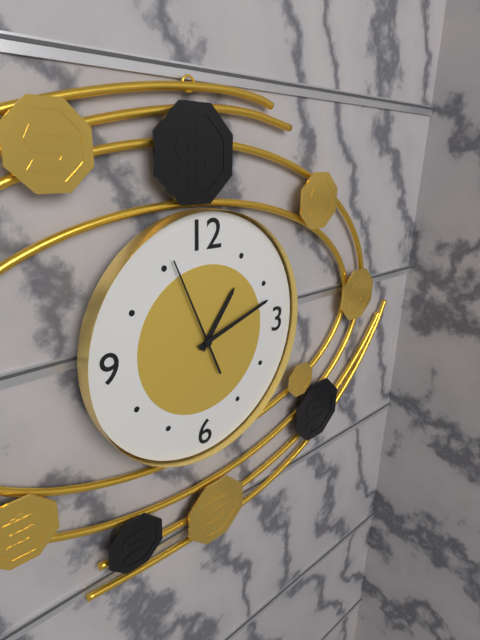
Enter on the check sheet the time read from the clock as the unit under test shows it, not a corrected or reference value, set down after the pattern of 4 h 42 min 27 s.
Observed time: 1 h 12 min 56 s
